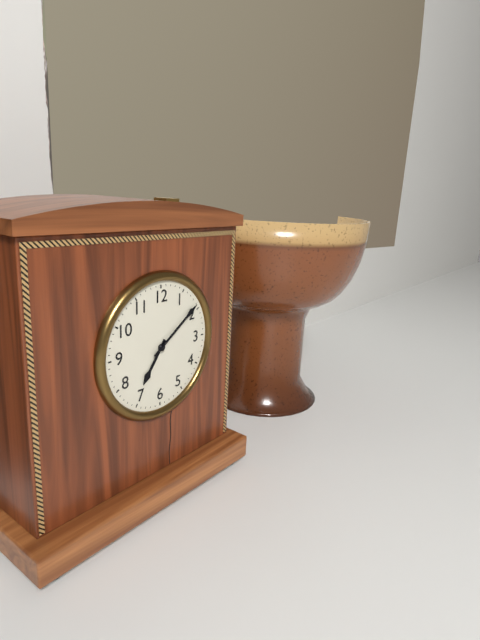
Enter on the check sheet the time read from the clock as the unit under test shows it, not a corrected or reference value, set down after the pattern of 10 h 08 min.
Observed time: 7 h 09 min
